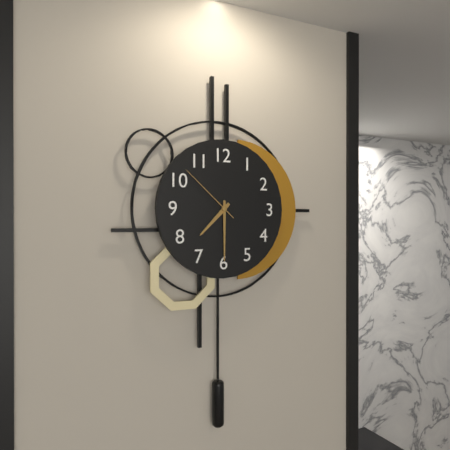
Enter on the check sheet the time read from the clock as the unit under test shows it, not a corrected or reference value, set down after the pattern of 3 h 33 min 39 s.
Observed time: 7 h 30 min 52 s
